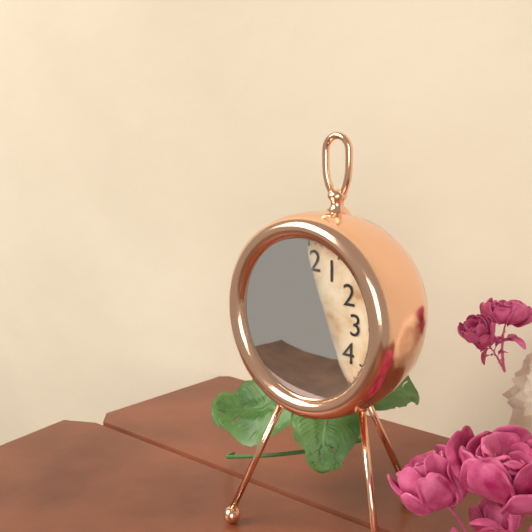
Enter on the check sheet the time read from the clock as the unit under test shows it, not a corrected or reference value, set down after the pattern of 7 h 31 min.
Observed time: 11 h 53 min
